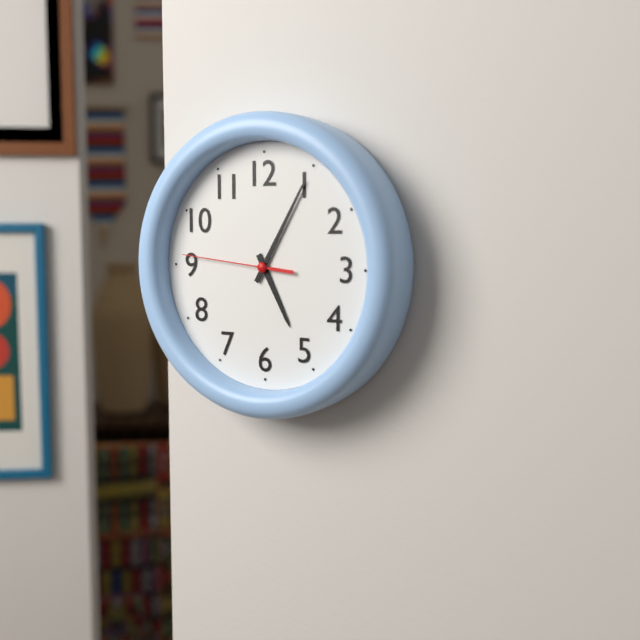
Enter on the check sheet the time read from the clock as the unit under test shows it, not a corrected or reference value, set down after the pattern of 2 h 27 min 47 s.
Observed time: 5 h 05 min 46 s
